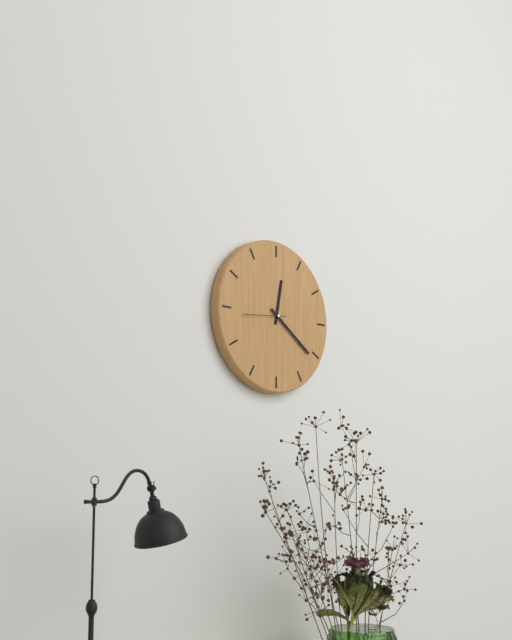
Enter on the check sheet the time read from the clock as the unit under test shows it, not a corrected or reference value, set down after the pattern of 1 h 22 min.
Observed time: 12 h 21 min
